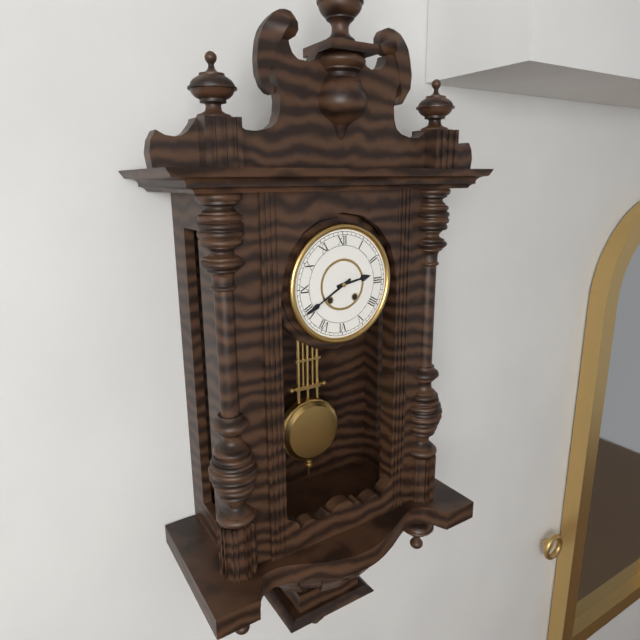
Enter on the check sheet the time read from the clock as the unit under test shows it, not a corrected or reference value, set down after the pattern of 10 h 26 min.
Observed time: 2 h 40 min
